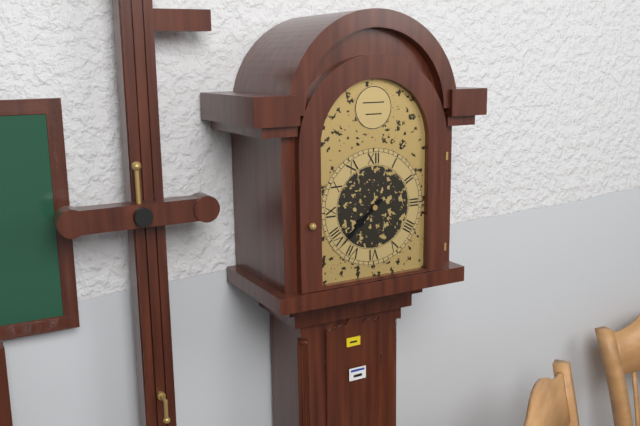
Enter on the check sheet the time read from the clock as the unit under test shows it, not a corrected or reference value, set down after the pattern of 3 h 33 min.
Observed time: 7 h 38 min
